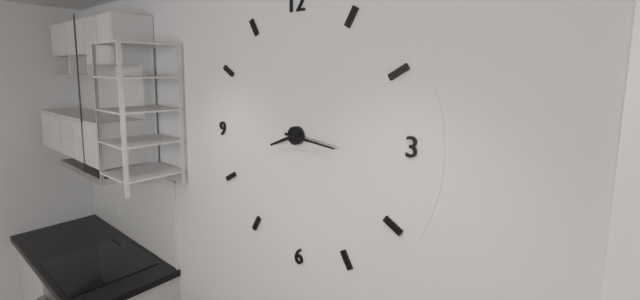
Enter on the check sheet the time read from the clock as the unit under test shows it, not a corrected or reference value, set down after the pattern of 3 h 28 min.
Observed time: 8 h 16 min
